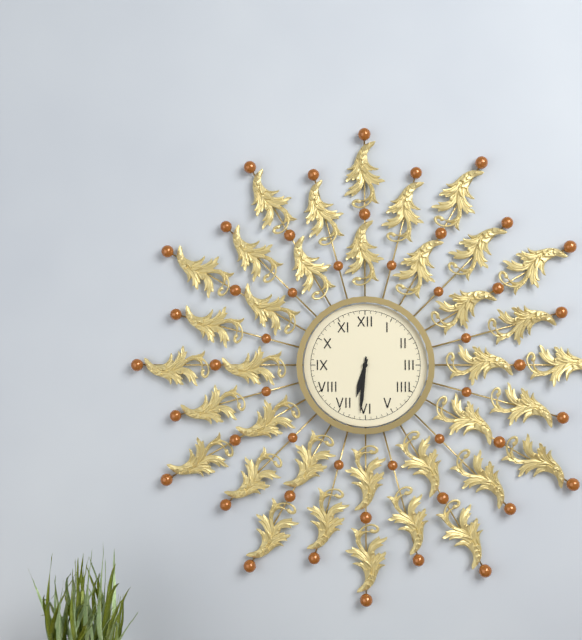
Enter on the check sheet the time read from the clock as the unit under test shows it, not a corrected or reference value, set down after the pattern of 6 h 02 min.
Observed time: 6 h 31 min
